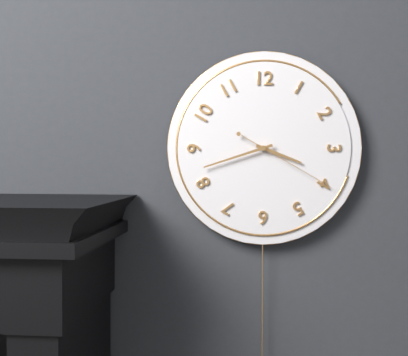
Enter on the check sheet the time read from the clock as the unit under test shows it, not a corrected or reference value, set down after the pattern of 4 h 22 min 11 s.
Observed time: 3 h 42 min 20 s
